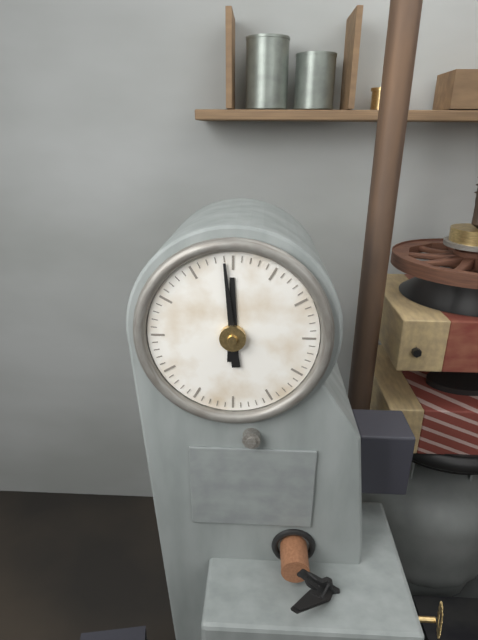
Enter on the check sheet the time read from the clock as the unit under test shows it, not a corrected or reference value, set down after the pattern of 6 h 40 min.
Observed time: 11 h 59 min
